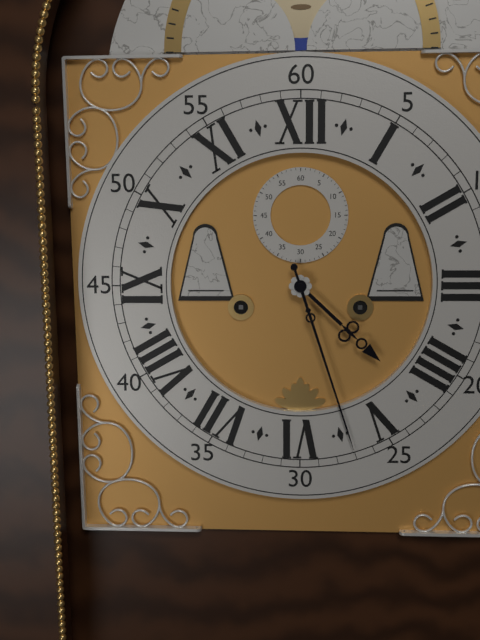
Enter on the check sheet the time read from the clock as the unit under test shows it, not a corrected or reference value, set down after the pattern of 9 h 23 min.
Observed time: 4 h 27 min
